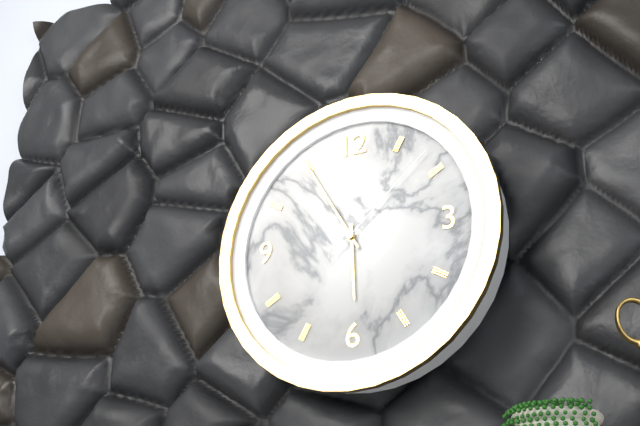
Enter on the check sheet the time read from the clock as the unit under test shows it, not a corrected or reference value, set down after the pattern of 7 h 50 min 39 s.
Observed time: 5 h 55 min 08 s
